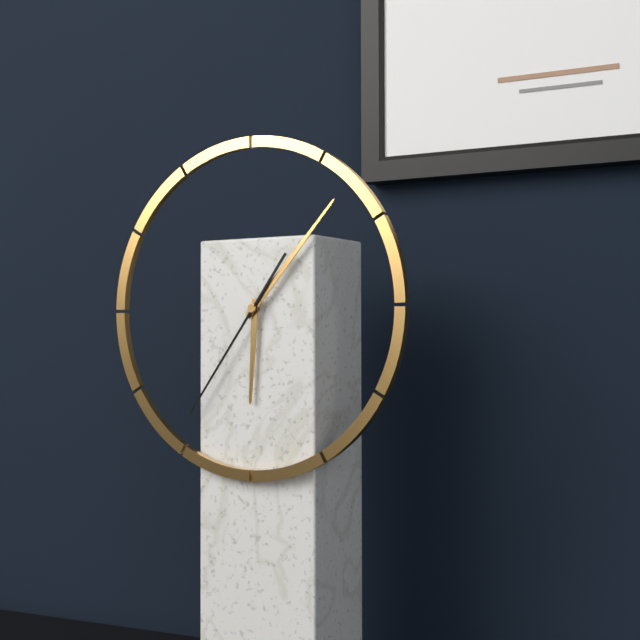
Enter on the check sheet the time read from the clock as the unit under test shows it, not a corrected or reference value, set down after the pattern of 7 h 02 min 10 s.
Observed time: 6 h 07 min 36 s
